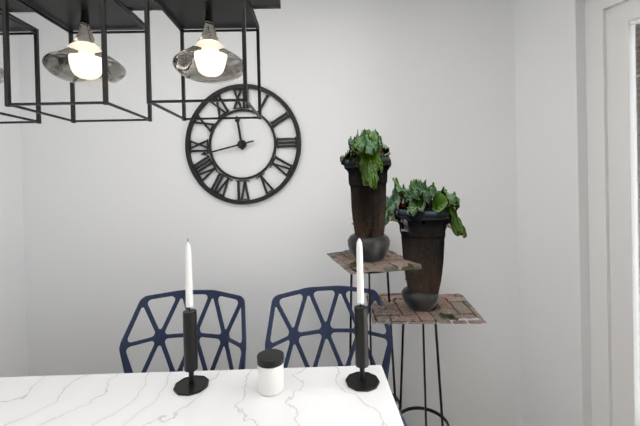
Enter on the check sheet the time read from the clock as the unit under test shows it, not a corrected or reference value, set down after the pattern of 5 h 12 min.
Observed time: 11 h 43 min
